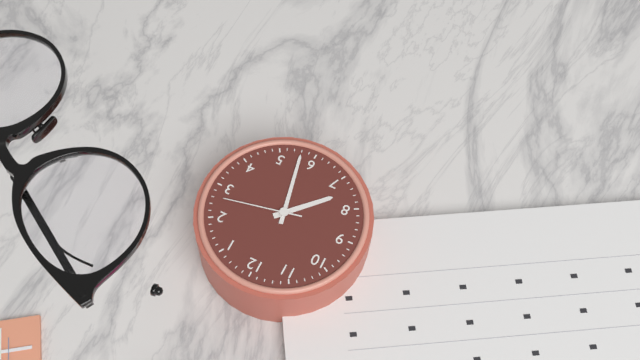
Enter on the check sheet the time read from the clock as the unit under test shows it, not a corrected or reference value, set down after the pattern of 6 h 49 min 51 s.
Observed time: 7 h 28 min 13 s
